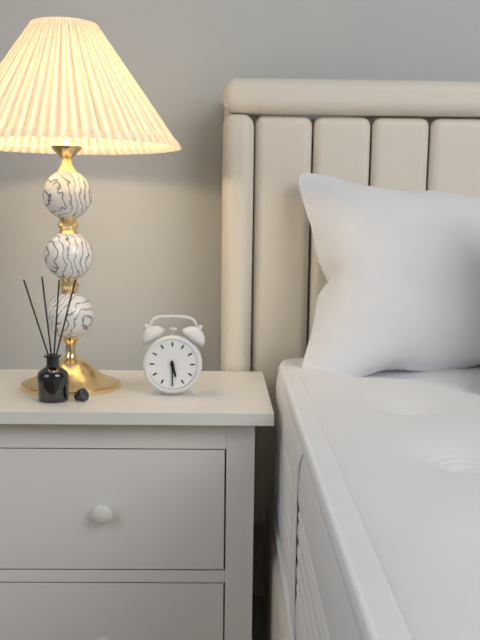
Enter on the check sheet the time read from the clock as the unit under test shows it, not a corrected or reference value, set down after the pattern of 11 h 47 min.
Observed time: 5 h 30 min
